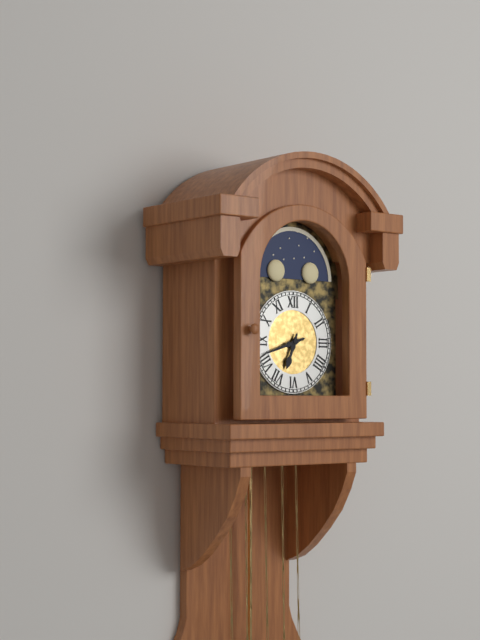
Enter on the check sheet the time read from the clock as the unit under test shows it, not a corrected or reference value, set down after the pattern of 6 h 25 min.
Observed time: 6 h 42 min
